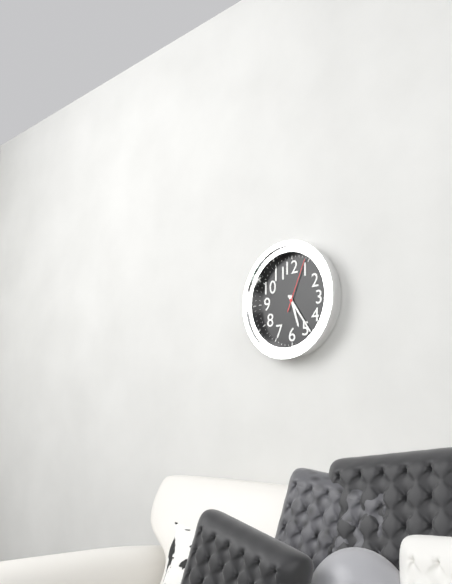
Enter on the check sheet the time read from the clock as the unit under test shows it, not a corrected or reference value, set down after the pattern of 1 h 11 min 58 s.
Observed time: 5 h 24 min 04 s
